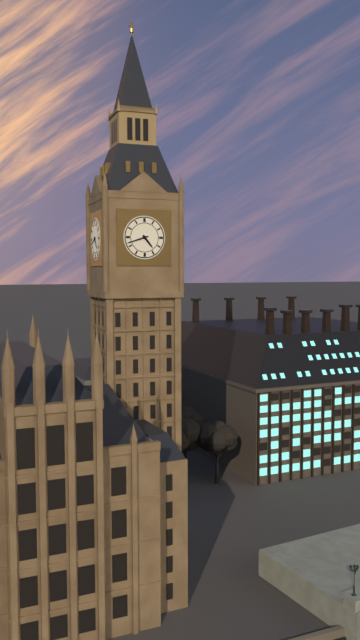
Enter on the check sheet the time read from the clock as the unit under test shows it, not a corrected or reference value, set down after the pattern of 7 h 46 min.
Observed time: 4 h 42 min
